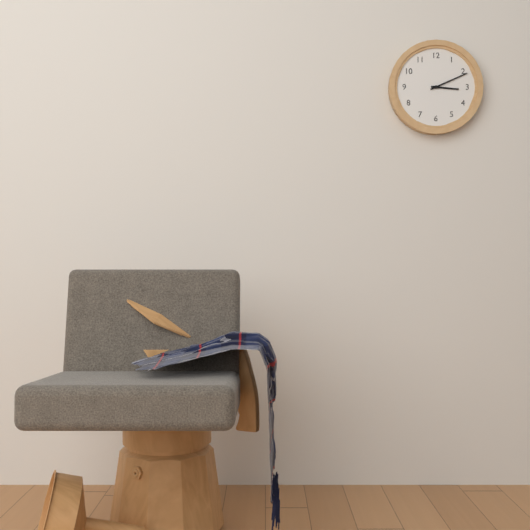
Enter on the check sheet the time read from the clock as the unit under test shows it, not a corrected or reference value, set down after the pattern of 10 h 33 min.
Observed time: 3 h 11 min
